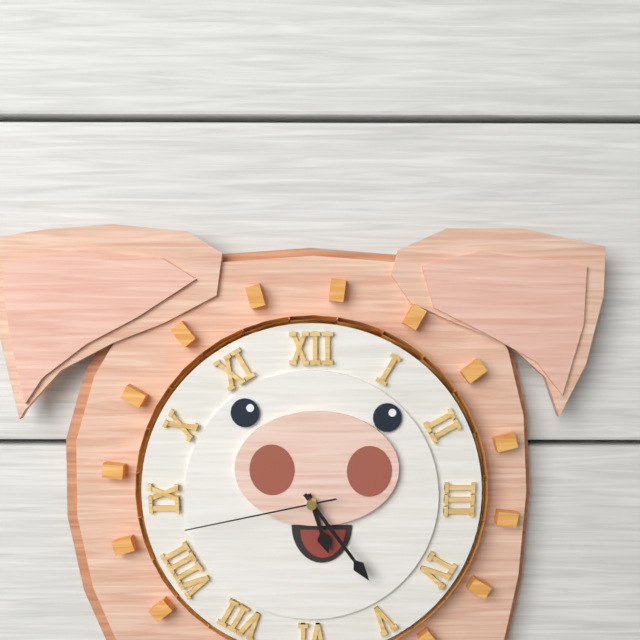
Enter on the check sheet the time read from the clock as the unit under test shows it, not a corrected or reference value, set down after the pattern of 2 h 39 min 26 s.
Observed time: 5 h 24 min 43 s
